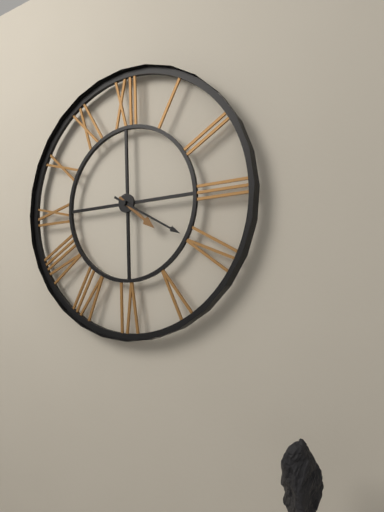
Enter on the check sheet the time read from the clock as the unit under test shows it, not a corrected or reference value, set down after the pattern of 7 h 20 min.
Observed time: 4 h 20 min
